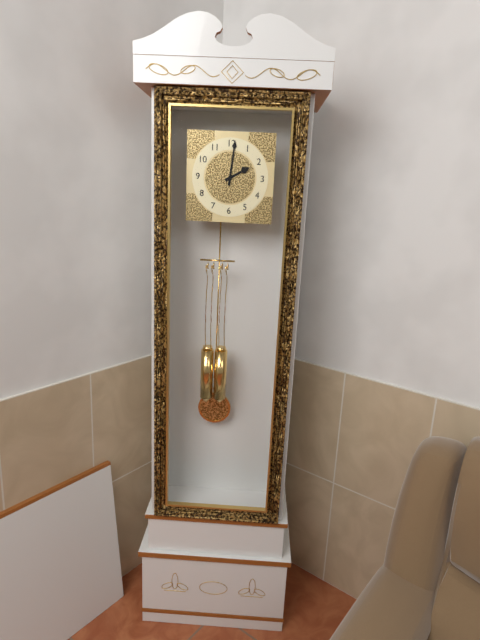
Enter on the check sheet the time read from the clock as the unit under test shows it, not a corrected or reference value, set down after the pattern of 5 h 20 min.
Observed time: 2 h 01 min
